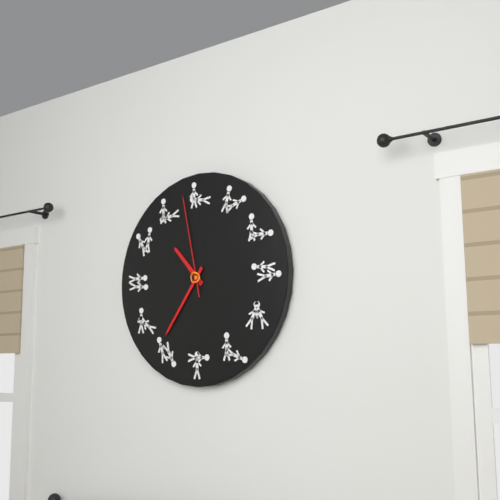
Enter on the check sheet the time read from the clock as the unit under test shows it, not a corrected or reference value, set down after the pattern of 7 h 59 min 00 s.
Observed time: 10 h 36 min 58 s
